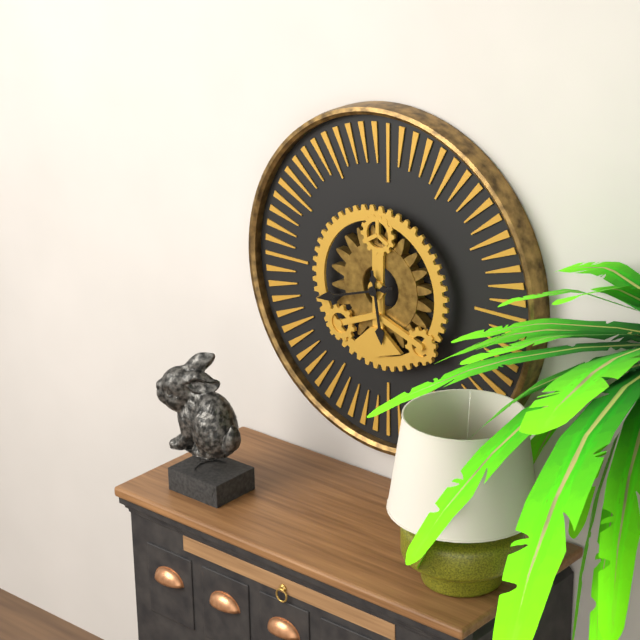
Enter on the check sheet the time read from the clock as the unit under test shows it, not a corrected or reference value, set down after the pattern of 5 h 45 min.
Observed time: 5 h 42 min
